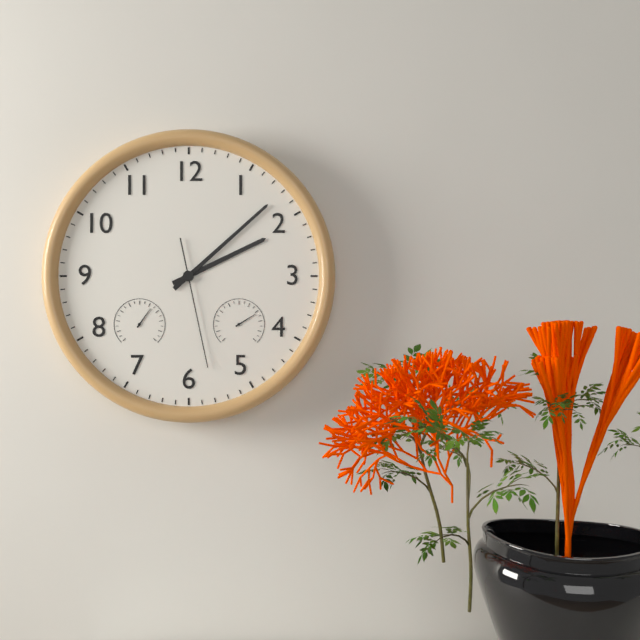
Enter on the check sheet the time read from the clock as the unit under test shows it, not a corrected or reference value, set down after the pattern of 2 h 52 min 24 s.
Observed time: 2 h 08 min 28 s
